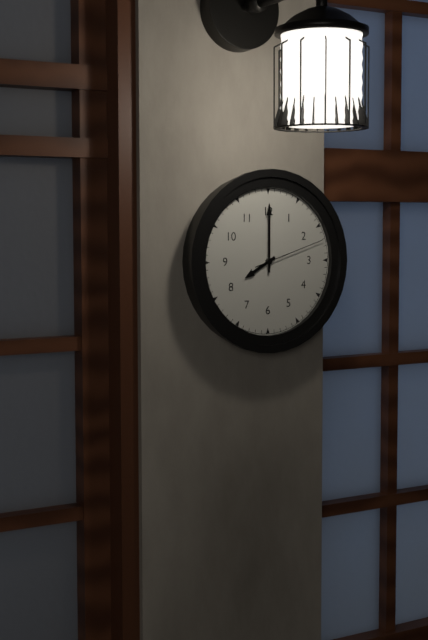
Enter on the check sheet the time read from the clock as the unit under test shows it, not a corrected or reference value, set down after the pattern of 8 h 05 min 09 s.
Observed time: 8 h 00 min 12 s
